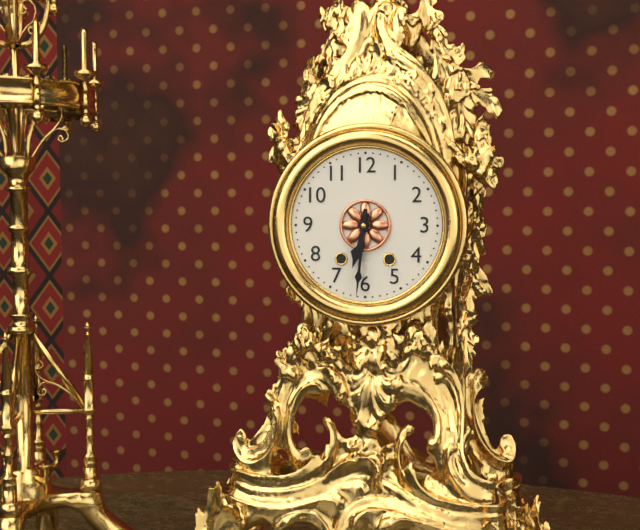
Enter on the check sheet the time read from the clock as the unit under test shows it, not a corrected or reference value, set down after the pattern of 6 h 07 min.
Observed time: 6 h 31 min
